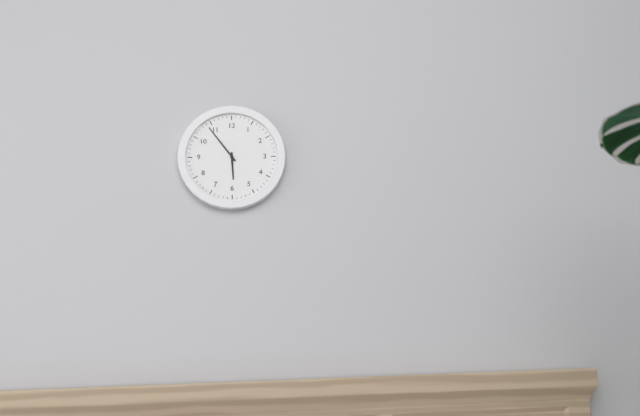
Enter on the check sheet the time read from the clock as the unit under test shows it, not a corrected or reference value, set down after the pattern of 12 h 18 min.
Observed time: 5 h 54 min
